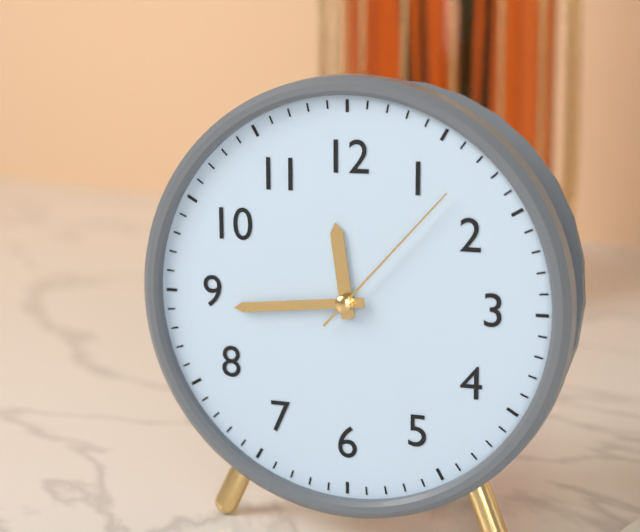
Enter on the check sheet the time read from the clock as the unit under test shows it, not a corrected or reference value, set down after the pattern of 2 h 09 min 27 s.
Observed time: 11 h 44 min 07 s
